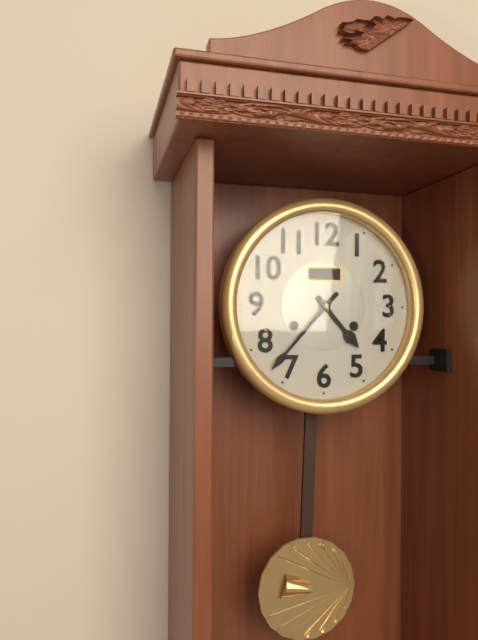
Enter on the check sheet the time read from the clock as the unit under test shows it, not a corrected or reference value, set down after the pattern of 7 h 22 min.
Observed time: 4 h 37 min
